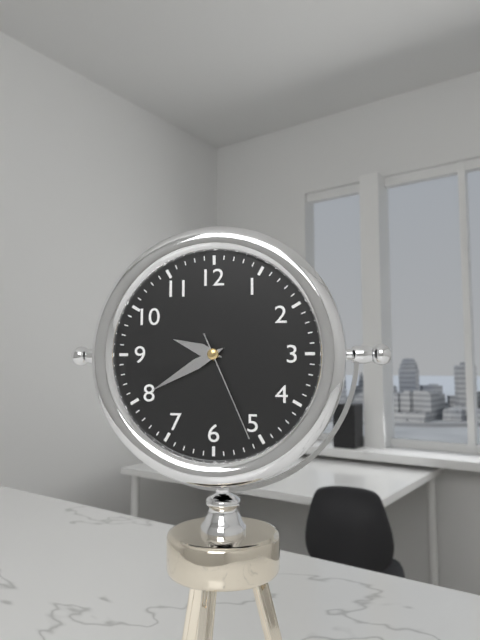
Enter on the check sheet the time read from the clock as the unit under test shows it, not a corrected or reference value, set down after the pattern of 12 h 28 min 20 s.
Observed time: 9 h 40 min 26 s
